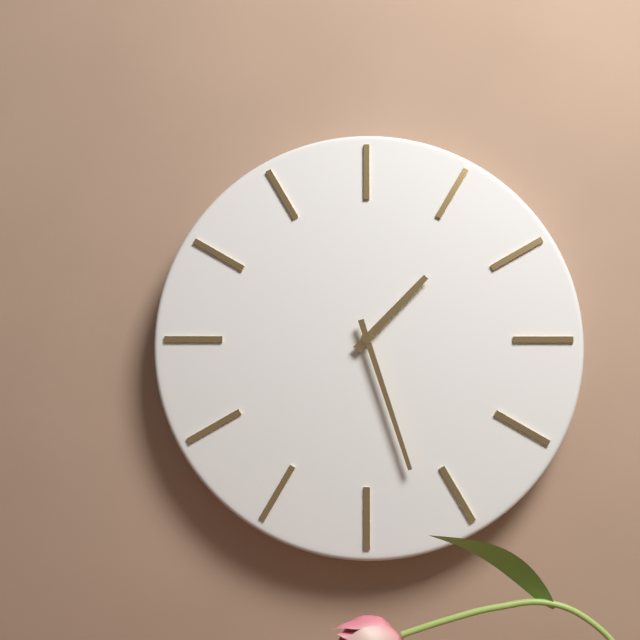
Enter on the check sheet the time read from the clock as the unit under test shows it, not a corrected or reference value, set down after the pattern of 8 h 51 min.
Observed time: 1 h 27 min
